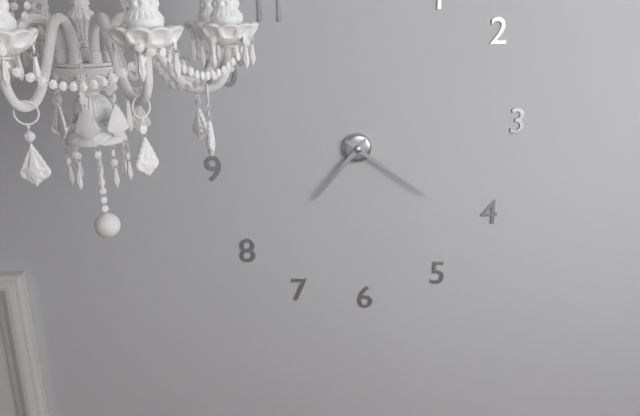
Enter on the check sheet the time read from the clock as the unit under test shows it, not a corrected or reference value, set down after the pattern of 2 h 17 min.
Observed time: 7 h 21 min
